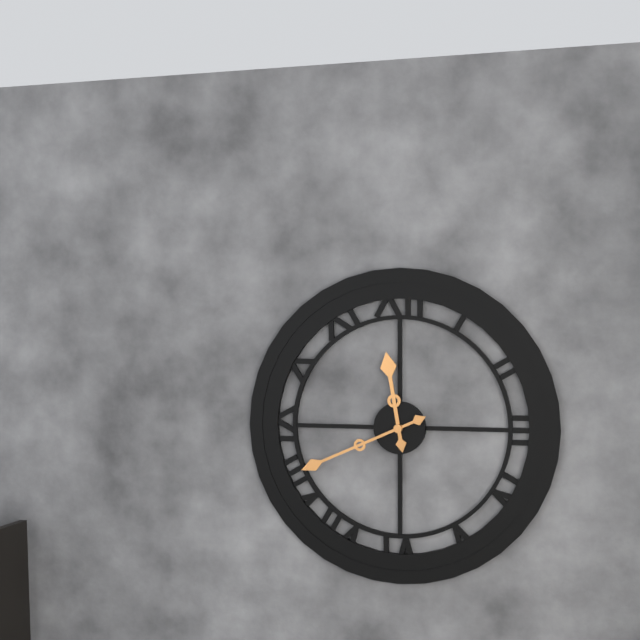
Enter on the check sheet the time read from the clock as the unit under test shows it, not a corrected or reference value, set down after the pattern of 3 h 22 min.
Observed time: 11 h 41 min
